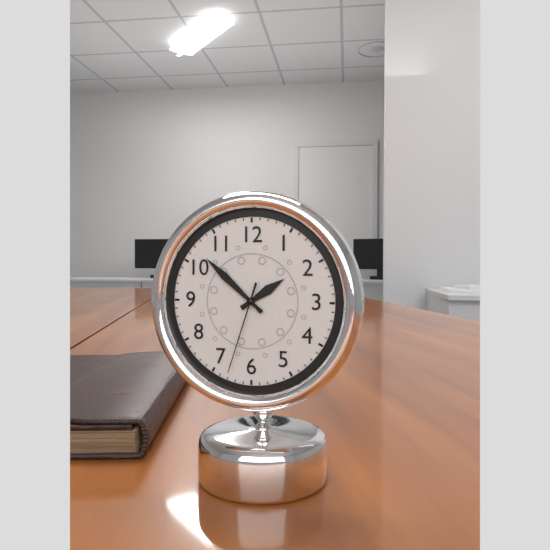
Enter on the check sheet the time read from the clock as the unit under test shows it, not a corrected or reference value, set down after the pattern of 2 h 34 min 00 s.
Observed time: 1 h 52 min 33 s
